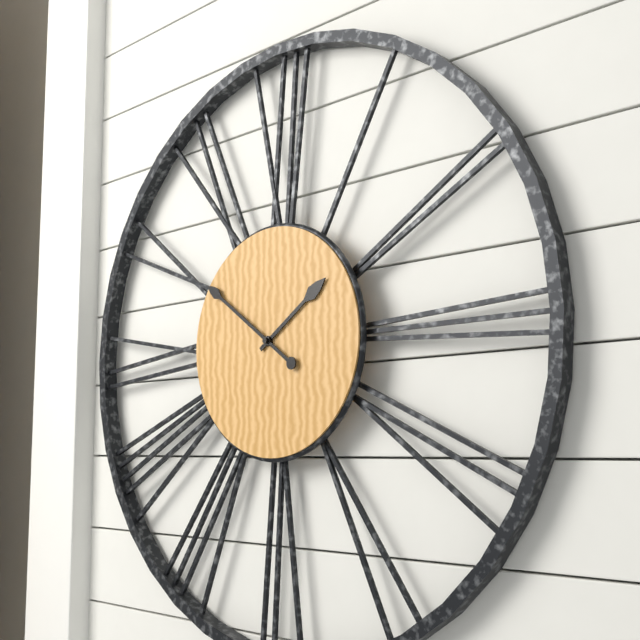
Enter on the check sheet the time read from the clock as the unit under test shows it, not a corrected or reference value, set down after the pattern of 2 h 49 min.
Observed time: 1 h 51 min
